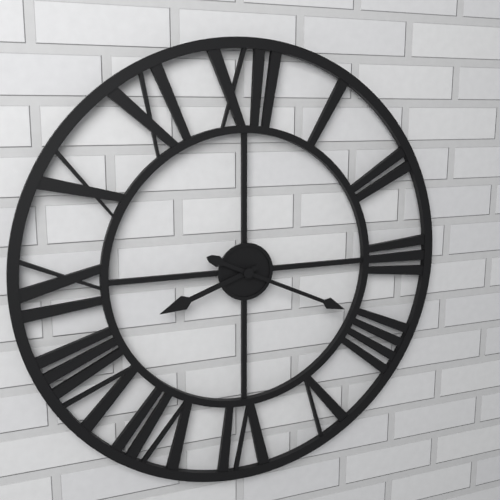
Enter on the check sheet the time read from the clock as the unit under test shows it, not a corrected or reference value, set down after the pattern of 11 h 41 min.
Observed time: 8 h 19 min
